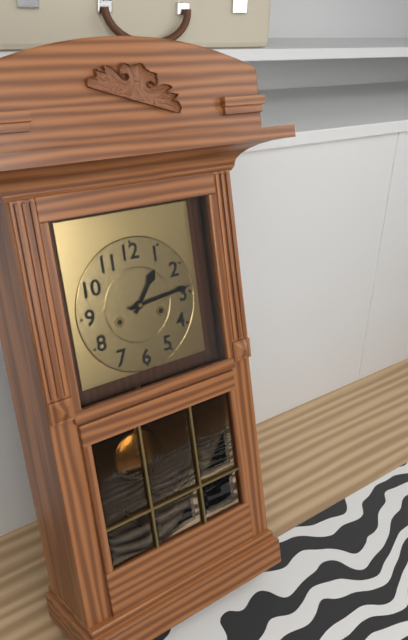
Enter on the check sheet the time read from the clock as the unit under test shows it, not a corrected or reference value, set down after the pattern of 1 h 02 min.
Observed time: 1 h 14 min
